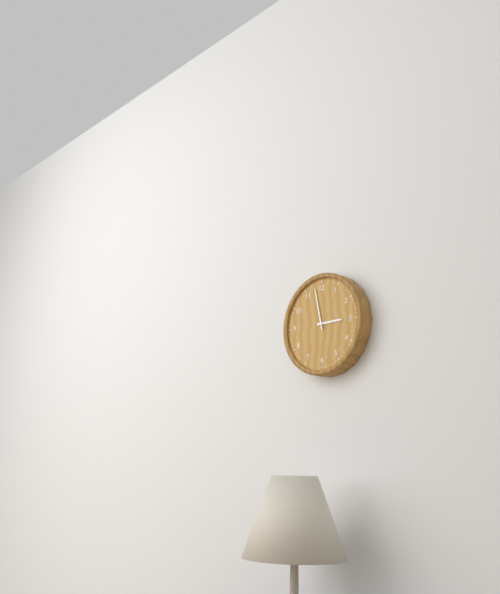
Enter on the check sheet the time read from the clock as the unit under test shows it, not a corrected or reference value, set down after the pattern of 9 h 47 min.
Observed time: 2 h 58 min
